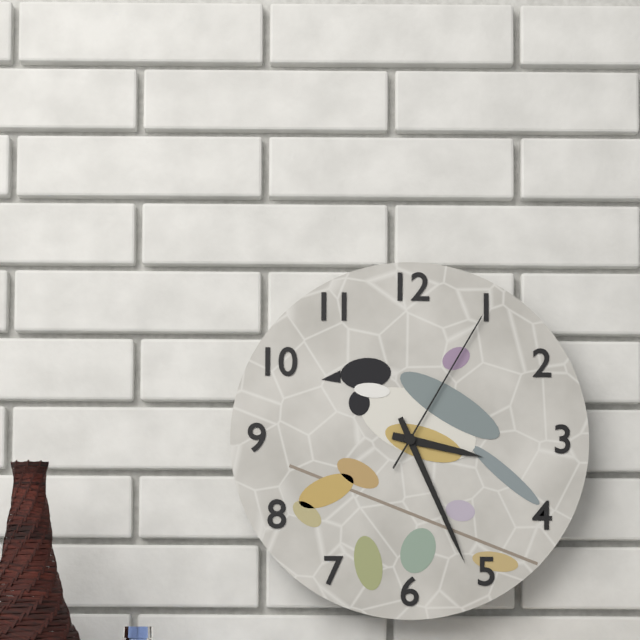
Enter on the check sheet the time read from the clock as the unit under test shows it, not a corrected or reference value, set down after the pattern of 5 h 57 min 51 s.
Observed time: 3 h 26 min 05 s
